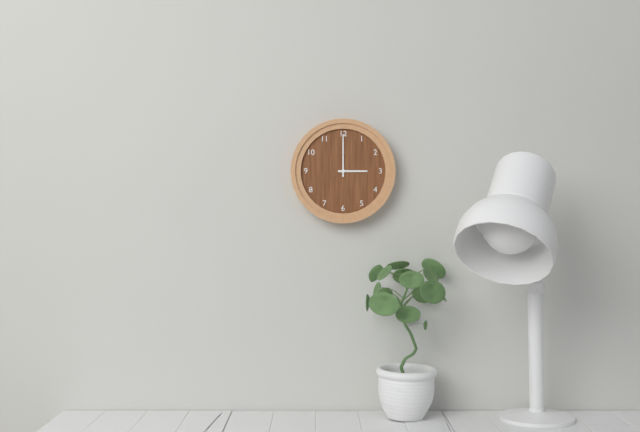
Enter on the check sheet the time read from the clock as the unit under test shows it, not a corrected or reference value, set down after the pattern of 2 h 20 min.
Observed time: 3 h 00 min
